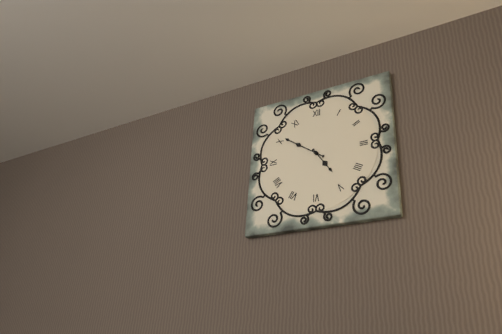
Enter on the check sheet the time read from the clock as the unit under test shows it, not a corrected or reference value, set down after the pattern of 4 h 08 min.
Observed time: 4 h 51 min
